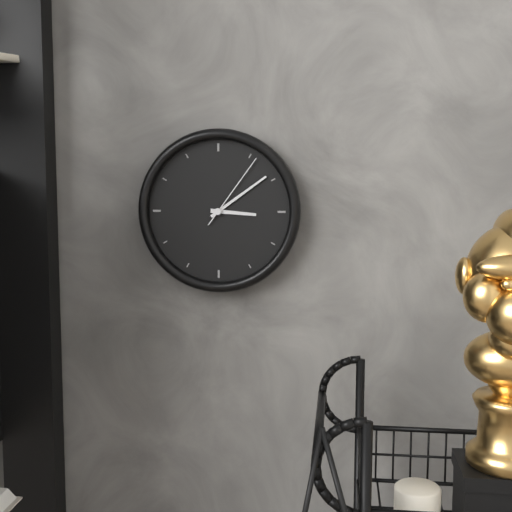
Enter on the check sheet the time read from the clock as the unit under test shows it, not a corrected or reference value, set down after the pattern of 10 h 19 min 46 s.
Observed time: 3 h 09 min 06 s
